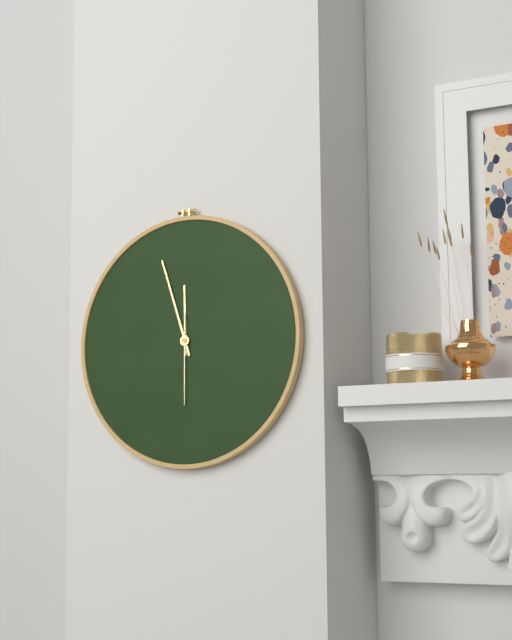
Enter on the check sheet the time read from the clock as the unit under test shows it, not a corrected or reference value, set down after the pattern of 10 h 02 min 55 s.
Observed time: 11 h 57 min 30 s
